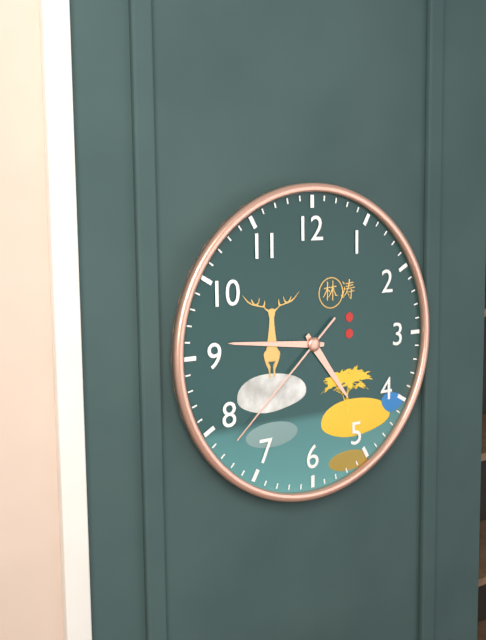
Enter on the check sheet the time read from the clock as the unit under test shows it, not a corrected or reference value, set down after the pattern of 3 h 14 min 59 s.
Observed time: 4 h 46 min 38 s
